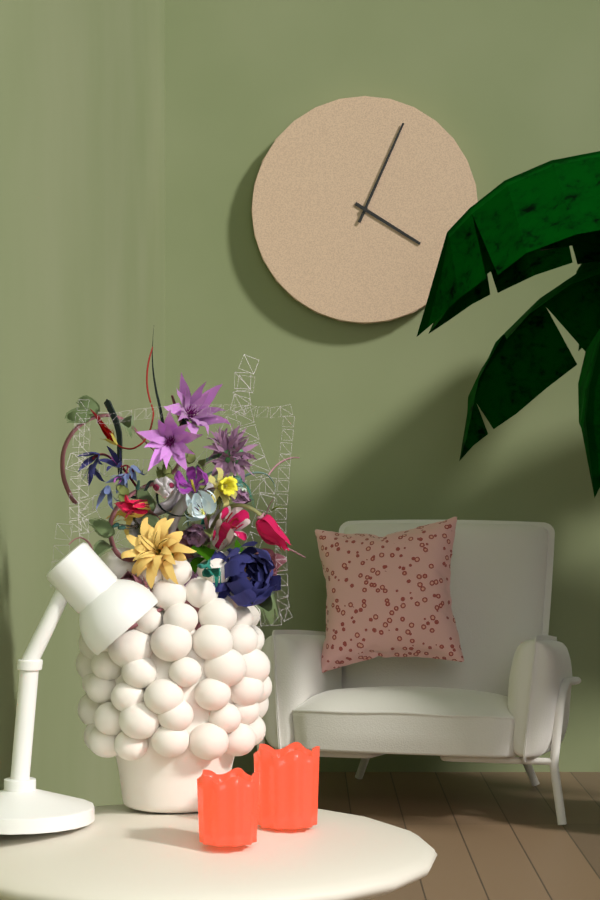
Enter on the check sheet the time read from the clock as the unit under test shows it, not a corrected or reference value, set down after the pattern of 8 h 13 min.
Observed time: 4 h 04 min
